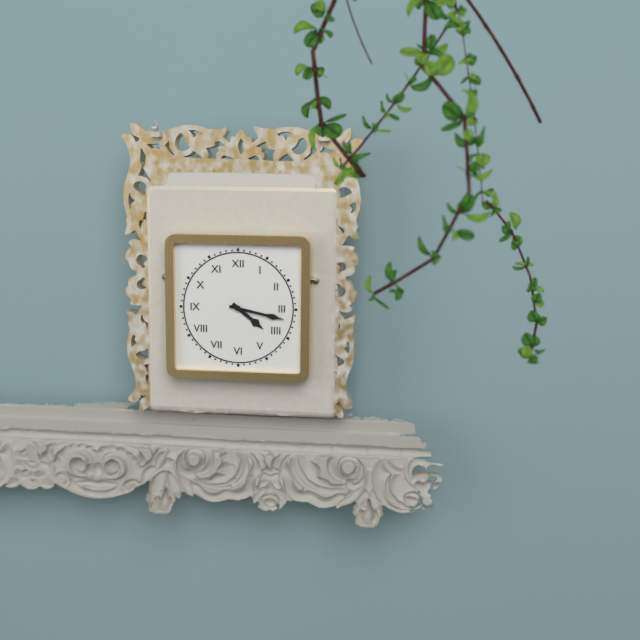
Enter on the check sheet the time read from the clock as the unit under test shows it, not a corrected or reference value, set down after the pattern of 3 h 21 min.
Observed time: 4 h 17 min
